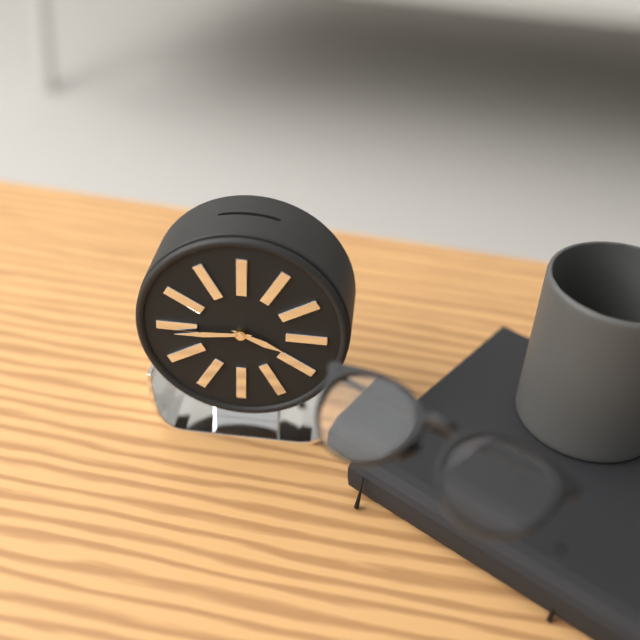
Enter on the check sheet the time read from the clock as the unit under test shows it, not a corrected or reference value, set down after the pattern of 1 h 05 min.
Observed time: 3 h 44 min
